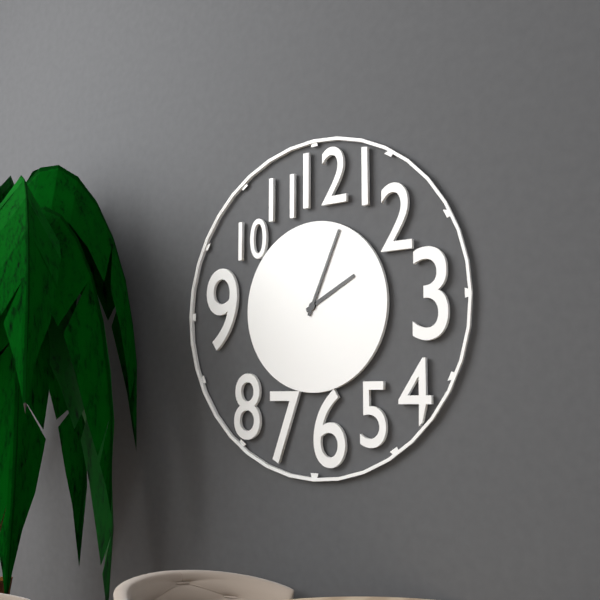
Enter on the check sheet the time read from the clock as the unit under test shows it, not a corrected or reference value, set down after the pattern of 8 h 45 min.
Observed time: 2 h 04 min
